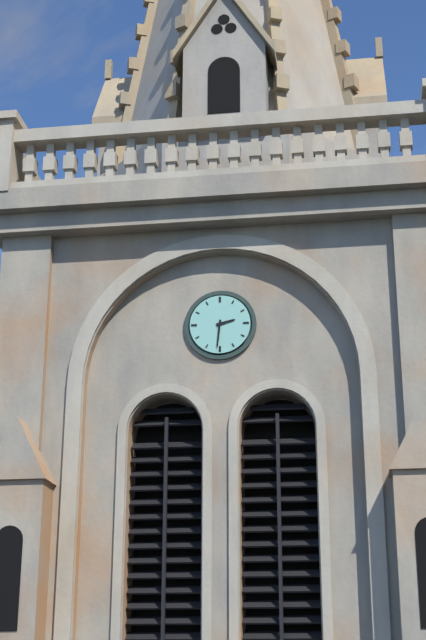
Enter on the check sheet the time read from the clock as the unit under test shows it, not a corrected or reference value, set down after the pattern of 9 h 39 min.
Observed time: 2 h 31 min
